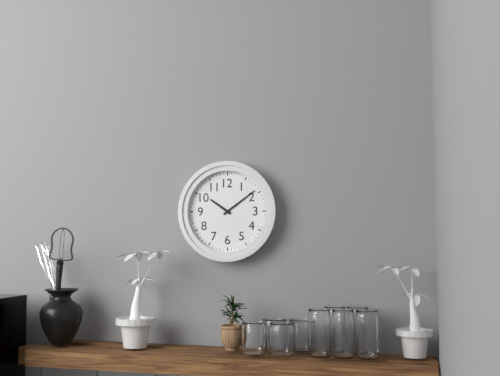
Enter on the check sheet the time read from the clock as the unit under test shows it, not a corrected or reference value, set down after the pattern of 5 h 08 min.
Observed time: 10 h 09 min
